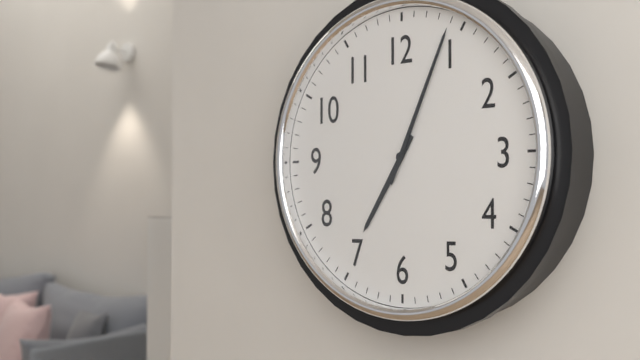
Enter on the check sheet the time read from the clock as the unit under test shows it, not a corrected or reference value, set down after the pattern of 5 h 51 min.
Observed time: 7 h 04 min
